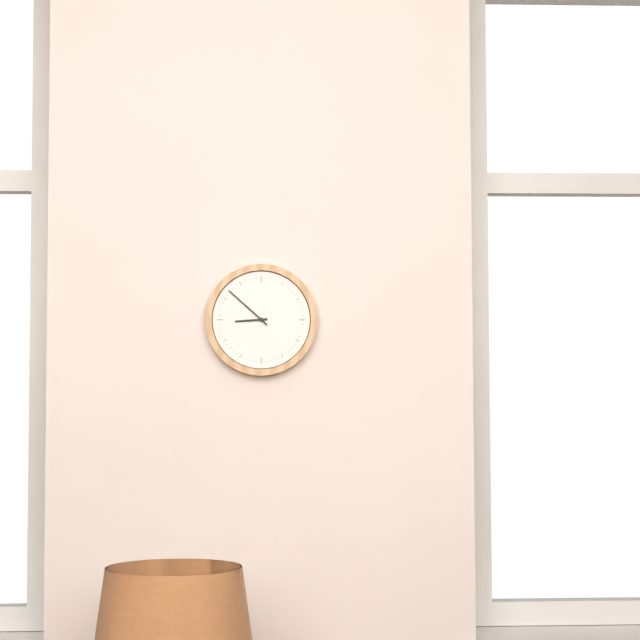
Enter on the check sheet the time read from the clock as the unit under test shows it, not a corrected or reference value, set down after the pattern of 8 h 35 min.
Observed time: 8 h 52 min
